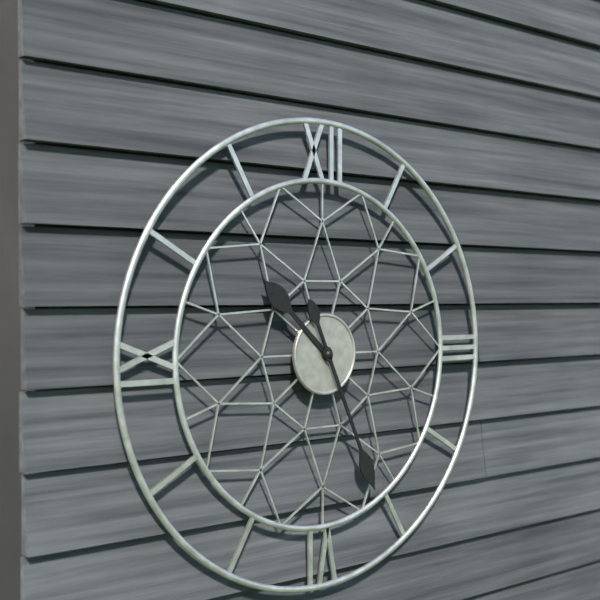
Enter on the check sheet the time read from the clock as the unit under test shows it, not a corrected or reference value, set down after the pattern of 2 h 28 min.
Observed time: 10 h 26 min
